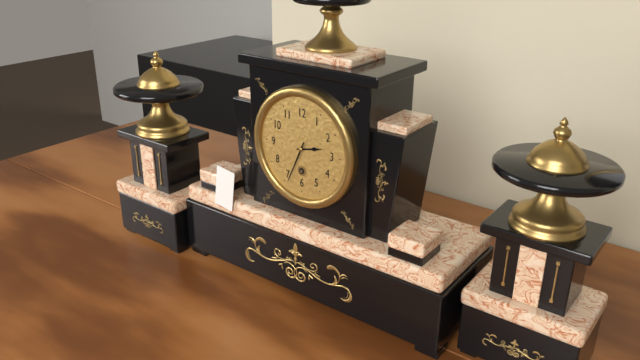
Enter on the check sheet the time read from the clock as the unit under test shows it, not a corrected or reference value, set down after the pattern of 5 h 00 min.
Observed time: 2 h 34 min
